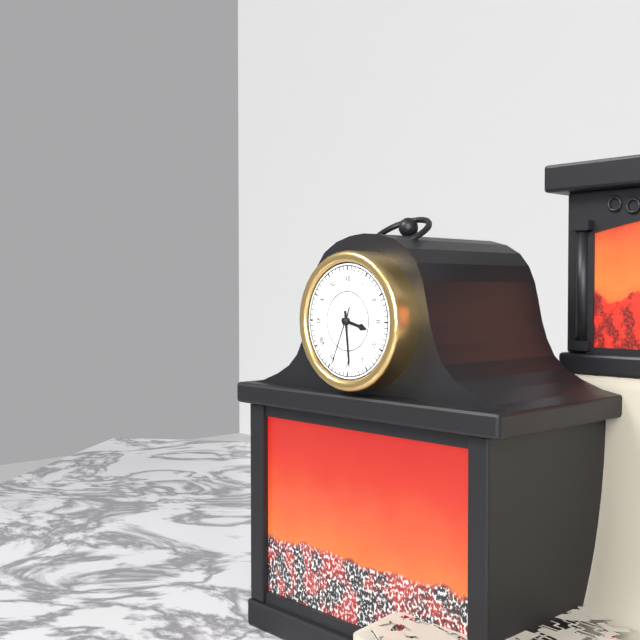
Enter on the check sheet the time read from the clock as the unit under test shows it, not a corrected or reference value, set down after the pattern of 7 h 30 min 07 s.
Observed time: 3 h 29 min 34 s
